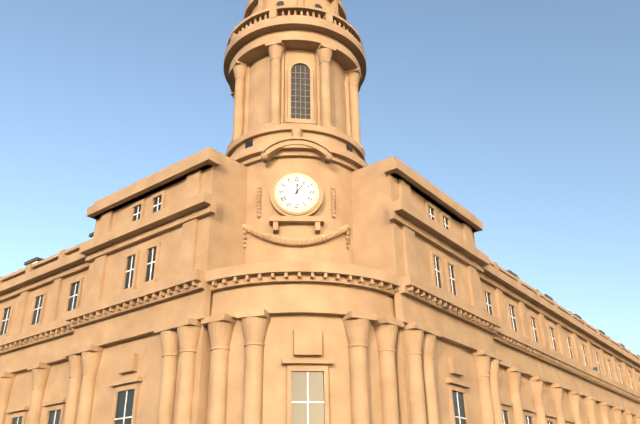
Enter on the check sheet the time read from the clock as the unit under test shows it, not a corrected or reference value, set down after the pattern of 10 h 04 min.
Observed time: 12 h 06 min
